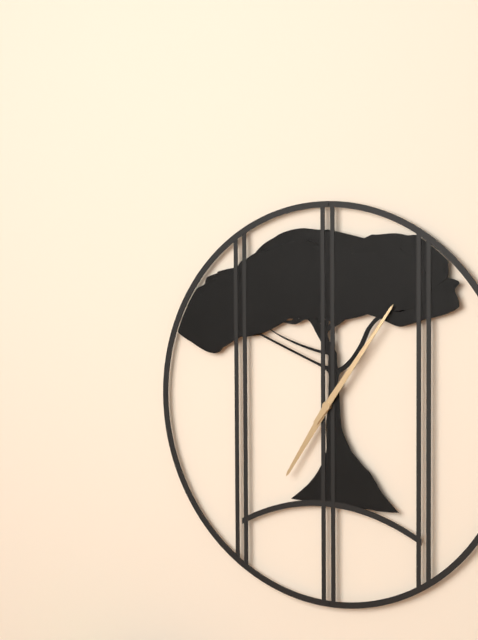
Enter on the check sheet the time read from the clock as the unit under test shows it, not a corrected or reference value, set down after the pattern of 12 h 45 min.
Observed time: 7 h 06 min
